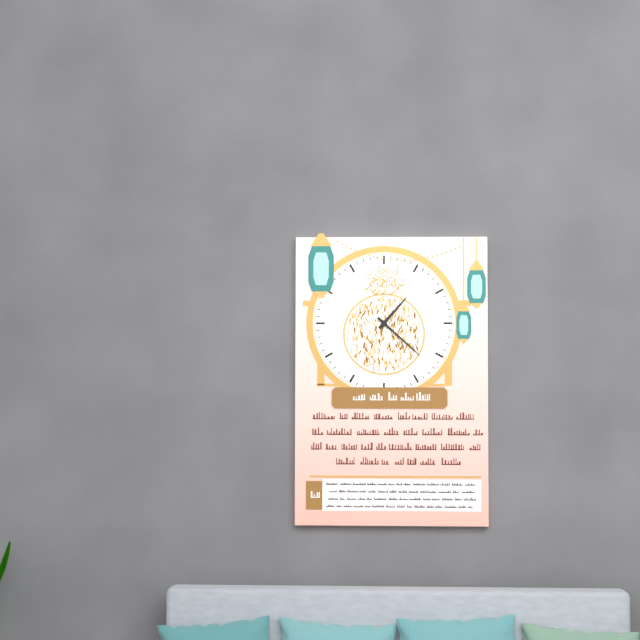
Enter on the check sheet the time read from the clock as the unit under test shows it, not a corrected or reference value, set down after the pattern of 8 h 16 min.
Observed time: 1 h 22 min
